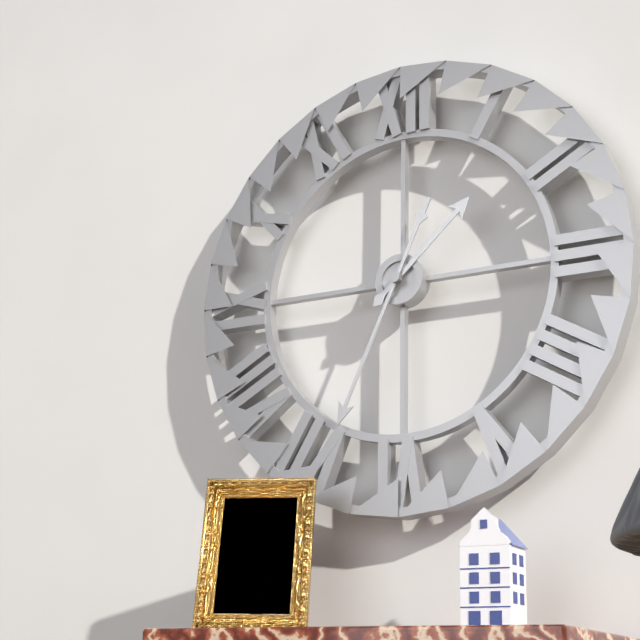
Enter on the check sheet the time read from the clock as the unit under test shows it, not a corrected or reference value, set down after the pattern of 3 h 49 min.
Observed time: 1 h 34 min
